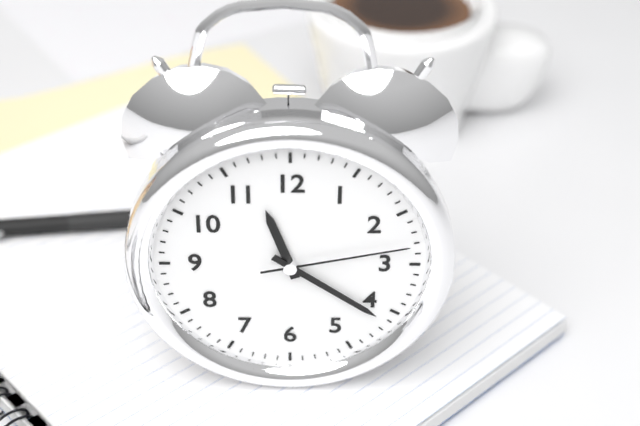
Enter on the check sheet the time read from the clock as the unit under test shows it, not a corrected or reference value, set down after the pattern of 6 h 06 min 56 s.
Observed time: 11 h 21 min 13 s
